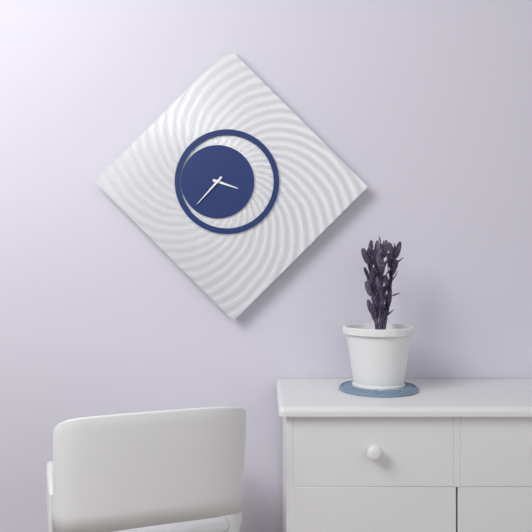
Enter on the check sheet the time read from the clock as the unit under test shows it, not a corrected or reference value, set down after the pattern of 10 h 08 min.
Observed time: 3 h 37 min
